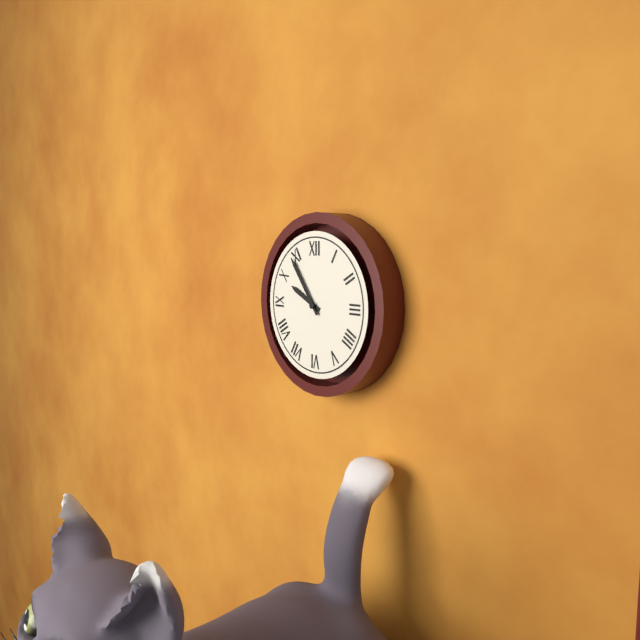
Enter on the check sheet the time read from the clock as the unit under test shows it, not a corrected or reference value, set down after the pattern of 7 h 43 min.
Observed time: 9 h 54 min
